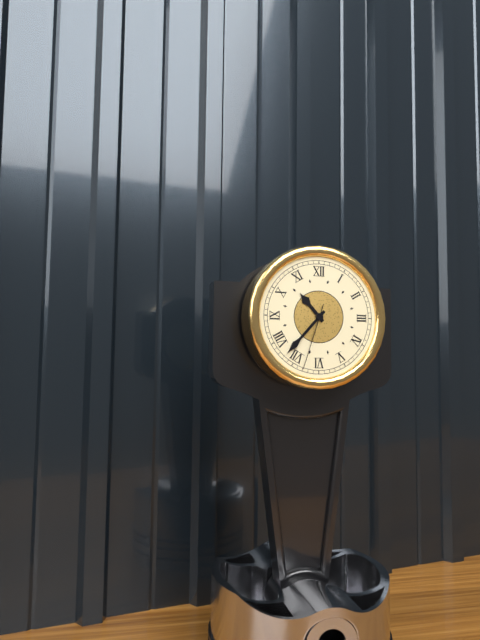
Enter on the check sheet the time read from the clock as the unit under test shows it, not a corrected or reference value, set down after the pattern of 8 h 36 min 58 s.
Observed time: 10 h 37 min 33 s
